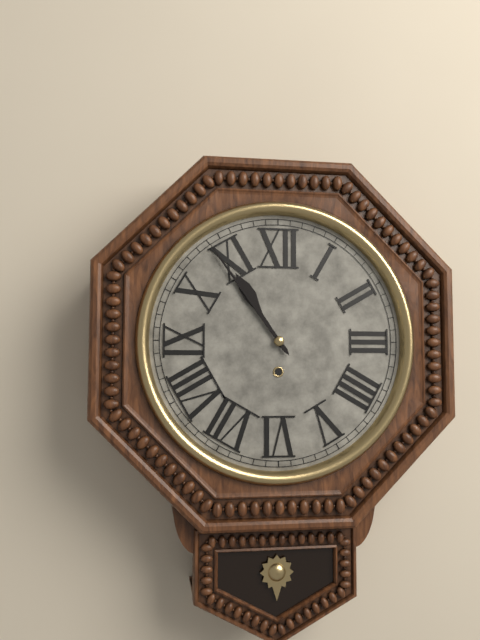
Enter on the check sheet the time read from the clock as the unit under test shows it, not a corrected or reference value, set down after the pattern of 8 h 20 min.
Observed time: 10 h 54 min
